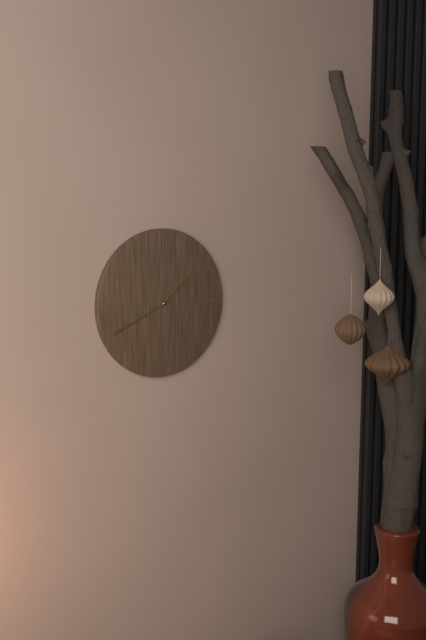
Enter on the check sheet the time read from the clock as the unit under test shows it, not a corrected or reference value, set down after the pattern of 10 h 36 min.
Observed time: 1 h 41 min
